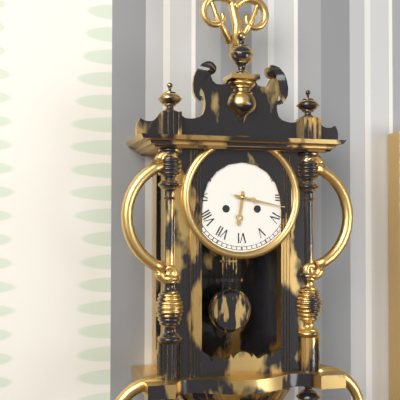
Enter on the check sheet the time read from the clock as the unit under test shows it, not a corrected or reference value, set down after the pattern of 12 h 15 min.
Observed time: 6 h 17 min
